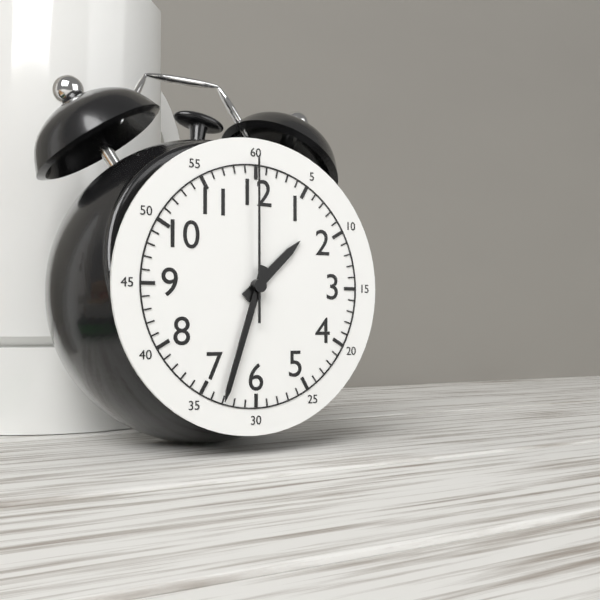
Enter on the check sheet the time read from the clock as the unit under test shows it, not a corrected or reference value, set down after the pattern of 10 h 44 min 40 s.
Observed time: 1 h 33 min 00 s
